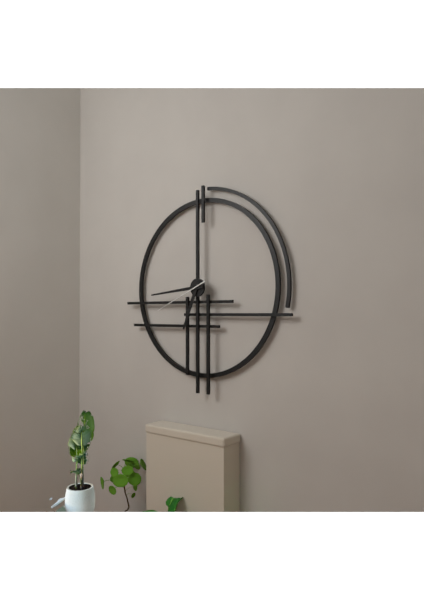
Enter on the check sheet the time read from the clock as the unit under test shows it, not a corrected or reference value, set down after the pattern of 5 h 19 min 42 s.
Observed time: 6 h 44 min 41 s
